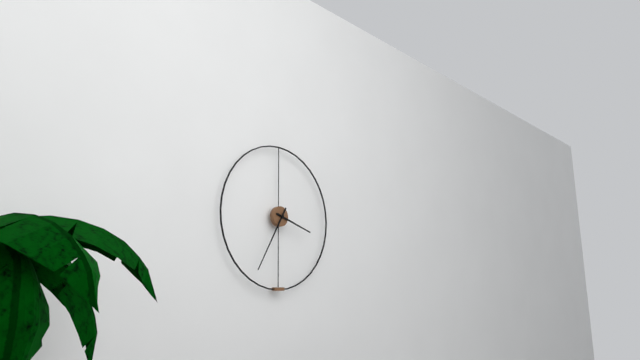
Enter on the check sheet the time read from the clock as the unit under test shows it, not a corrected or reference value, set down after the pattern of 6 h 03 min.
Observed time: 3 h 35 min
